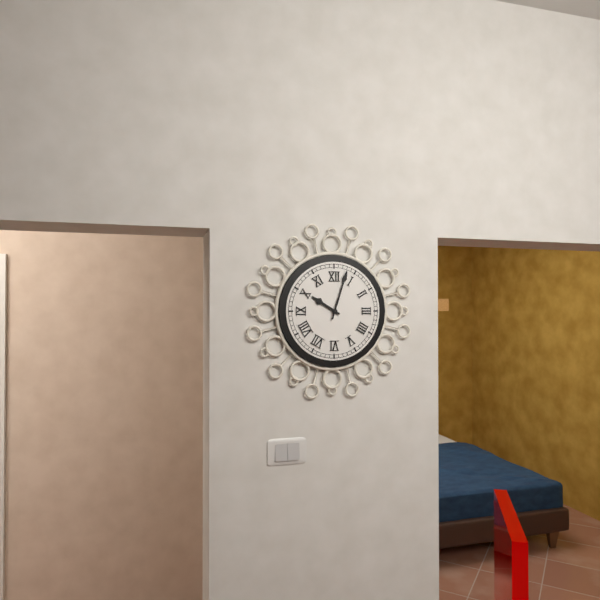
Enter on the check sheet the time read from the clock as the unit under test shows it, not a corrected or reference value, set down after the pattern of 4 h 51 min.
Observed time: 10 h 03 min
